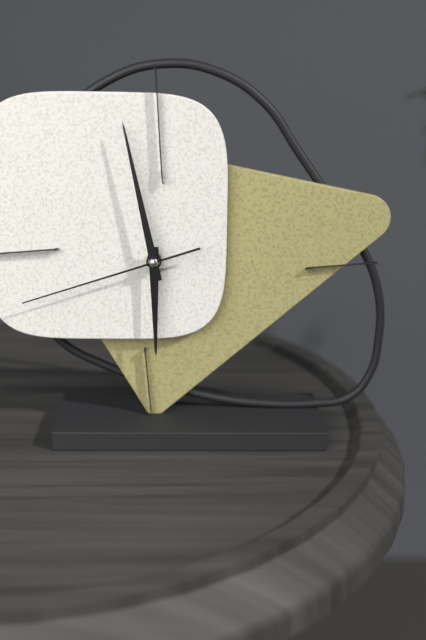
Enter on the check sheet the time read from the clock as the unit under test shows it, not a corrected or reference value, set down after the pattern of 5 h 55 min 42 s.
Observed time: 5 h 58 min 42 s
